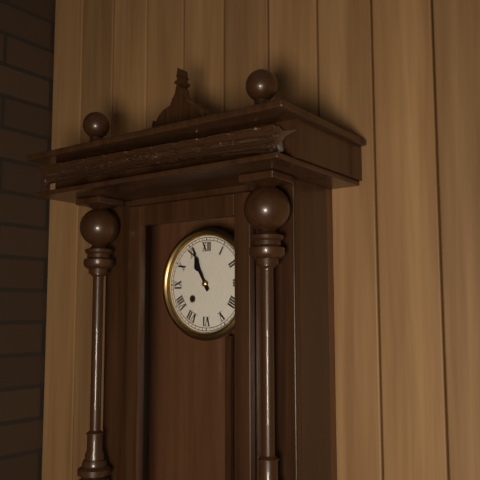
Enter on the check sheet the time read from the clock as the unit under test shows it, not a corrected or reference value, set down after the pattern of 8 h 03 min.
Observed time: 10 h 56 min
